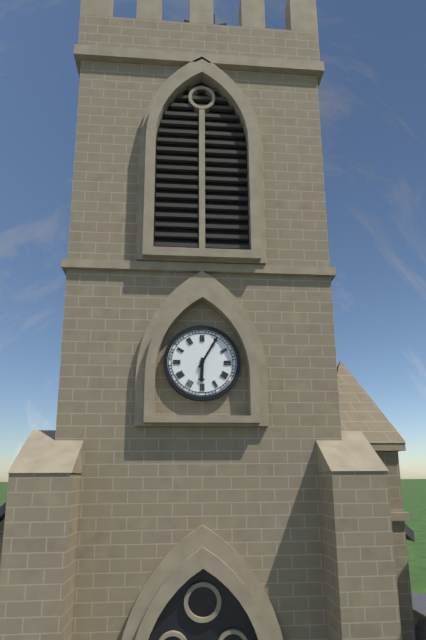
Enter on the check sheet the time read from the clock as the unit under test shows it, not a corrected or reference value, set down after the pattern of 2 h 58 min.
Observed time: 6 h 05 min
